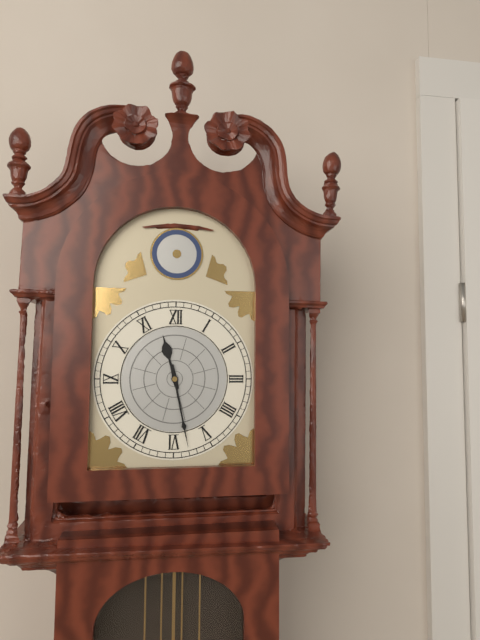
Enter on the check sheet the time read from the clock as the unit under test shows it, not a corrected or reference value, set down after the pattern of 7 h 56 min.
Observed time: 11 h 28 min
